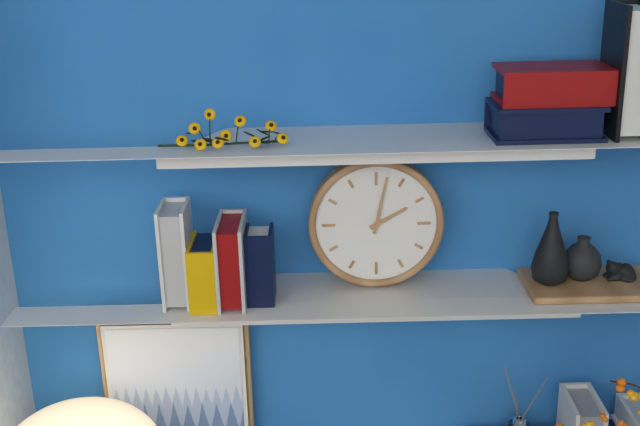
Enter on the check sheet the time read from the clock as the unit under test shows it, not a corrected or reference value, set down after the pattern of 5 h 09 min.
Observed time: 2 h 02 min
